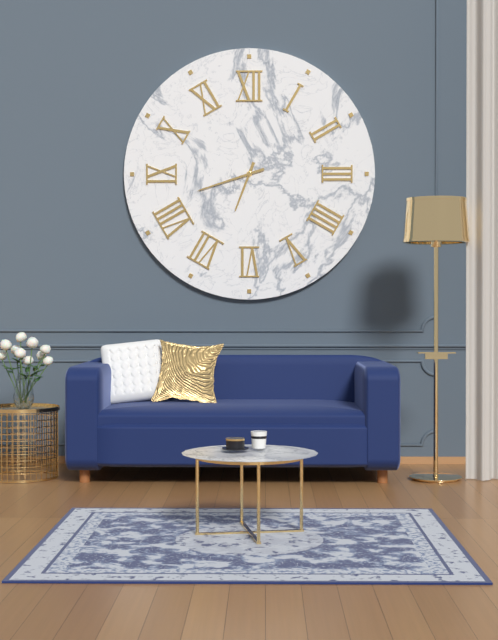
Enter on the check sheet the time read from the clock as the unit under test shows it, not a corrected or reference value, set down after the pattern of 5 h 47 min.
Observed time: 6 h 42 min
